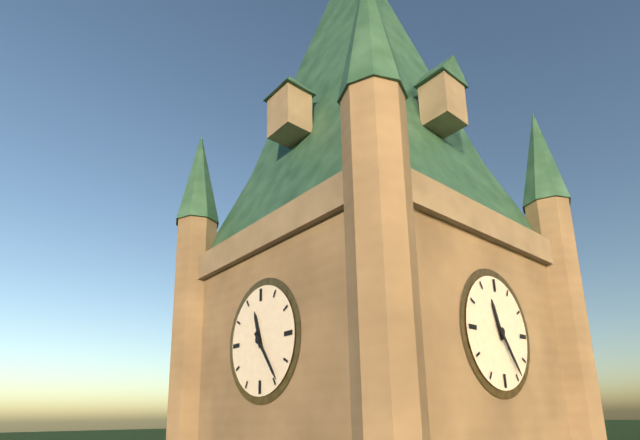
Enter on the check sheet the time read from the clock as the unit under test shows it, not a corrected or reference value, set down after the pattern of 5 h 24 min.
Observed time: 11 h 24 min
